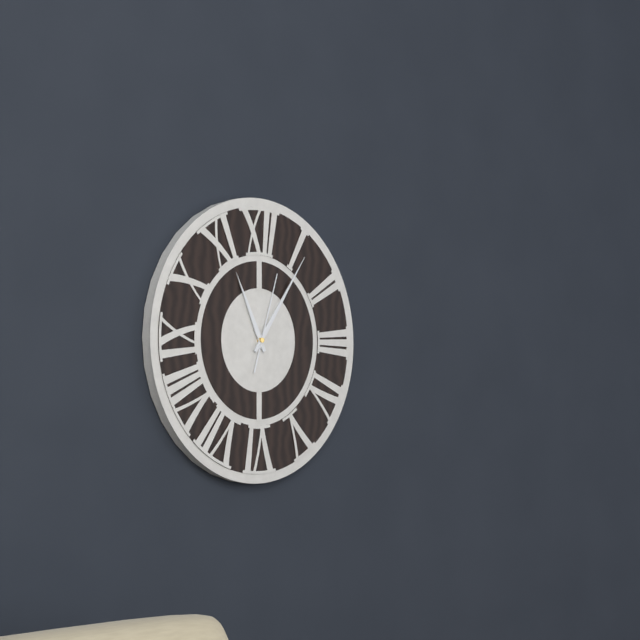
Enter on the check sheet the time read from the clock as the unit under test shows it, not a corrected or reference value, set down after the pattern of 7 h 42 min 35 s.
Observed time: 11 h 06 min 03 s
